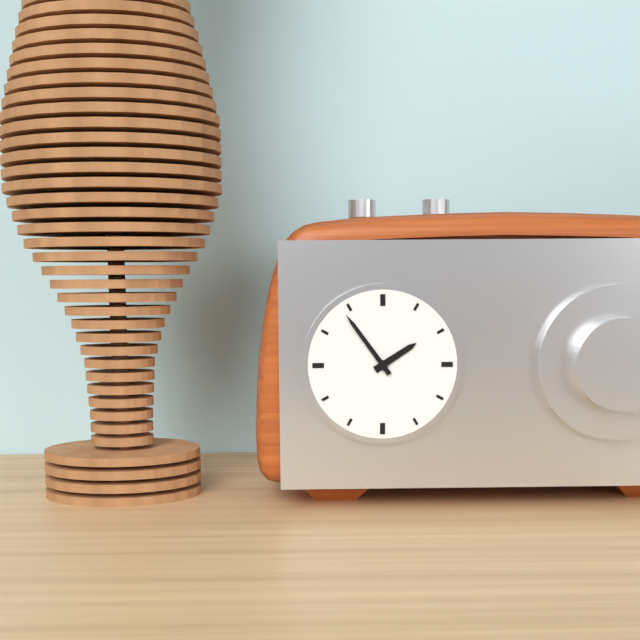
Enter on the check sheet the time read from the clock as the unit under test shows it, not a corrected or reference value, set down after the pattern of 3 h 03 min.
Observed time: 1 h 54 min
